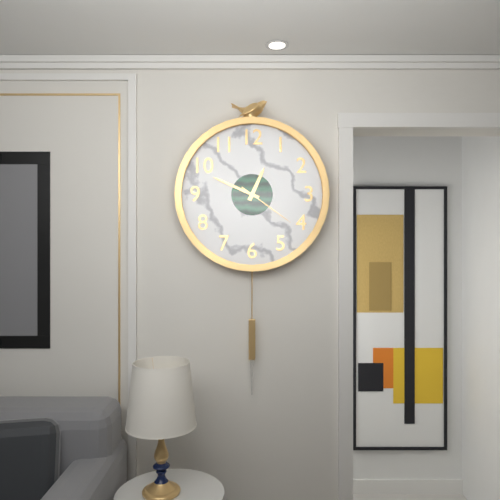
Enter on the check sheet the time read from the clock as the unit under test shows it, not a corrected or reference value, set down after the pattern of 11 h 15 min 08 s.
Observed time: 12 h 49 min 21 s
